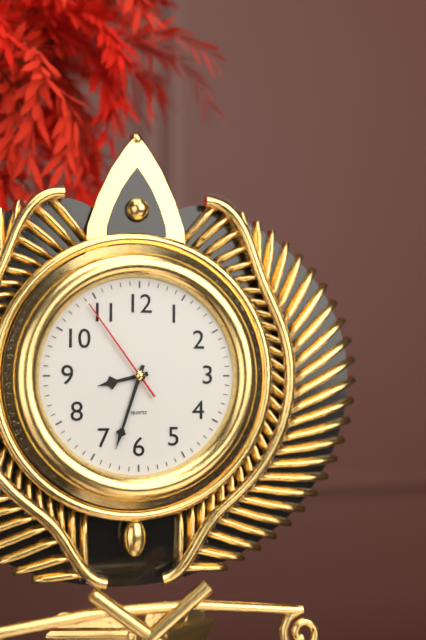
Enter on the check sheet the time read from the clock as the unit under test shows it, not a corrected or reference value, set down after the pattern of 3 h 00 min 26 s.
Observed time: 8 h 33 min 54 s
